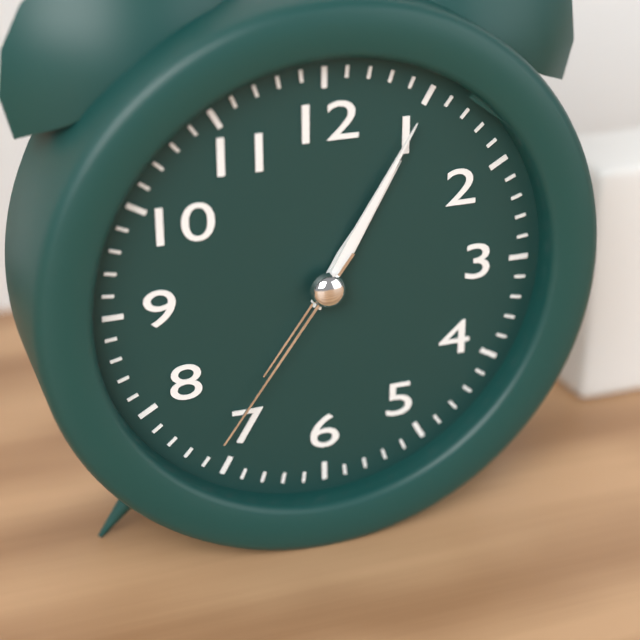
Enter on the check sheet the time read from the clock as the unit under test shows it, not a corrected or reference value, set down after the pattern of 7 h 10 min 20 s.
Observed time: 1 h 05 min 36 s
